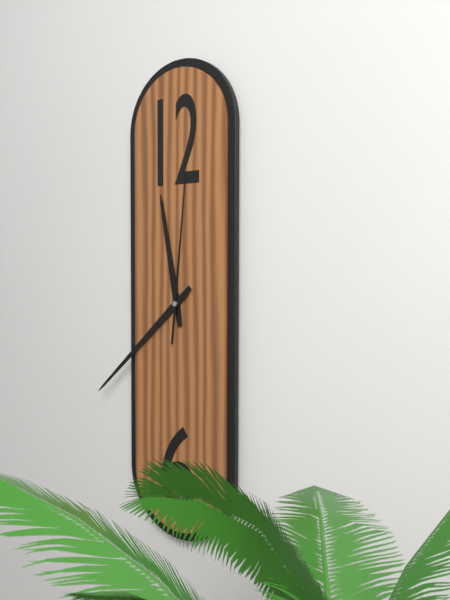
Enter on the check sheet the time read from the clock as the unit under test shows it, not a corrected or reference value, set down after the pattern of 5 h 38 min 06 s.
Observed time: 11 h 38 min 01 s
